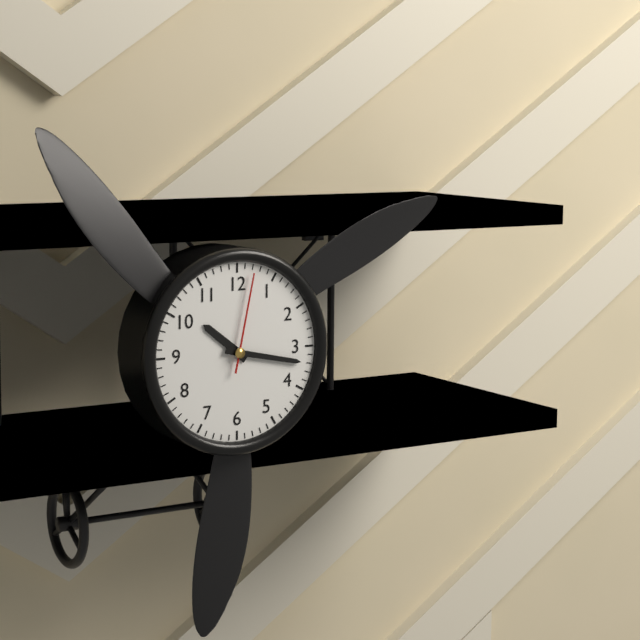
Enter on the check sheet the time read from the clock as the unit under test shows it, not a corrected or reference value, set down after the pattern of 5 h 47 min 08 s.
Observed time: 10 h 17 min 02 s
